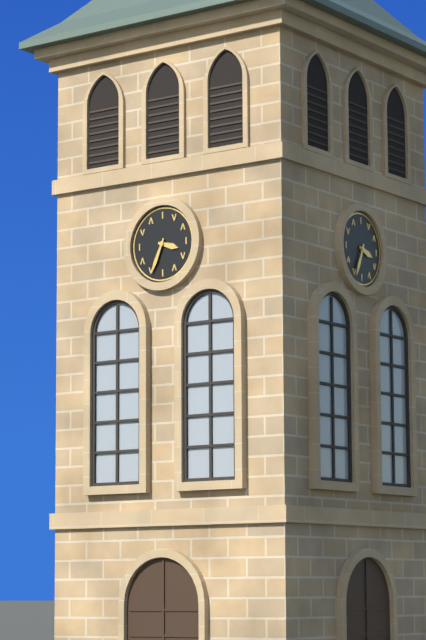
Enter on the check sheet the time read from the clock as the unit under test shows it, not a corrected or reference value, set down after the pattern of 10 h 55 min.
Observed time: 3 h 34 min
